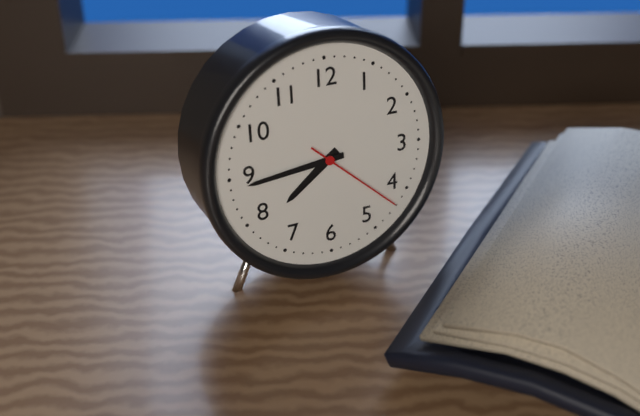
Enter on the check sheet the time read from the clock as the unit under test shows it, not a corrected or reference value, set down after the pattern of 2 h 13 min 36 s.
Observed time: 7 h 44 min 22 s
